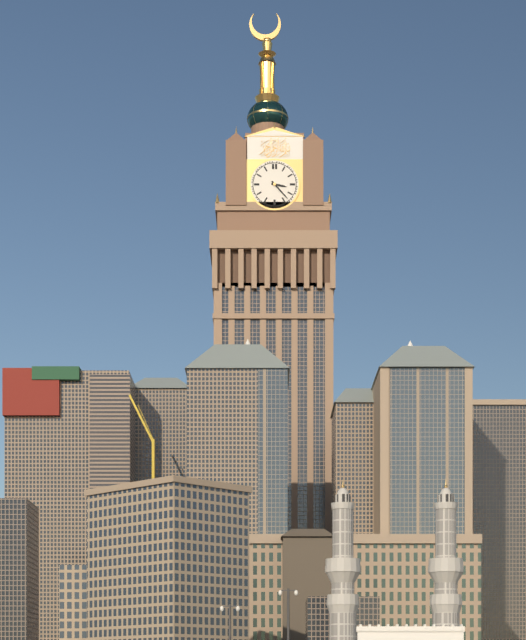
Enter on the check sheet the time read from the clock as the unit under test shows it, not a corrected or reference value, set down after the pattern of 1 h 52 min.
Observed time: 3 h 23 min
